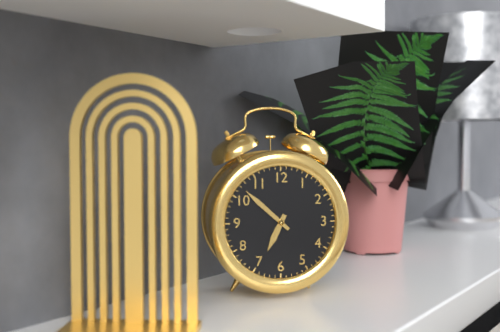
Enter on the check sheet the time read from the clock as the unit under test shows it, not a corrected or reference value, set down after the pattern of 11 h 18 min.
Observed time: 6 h 52 min
